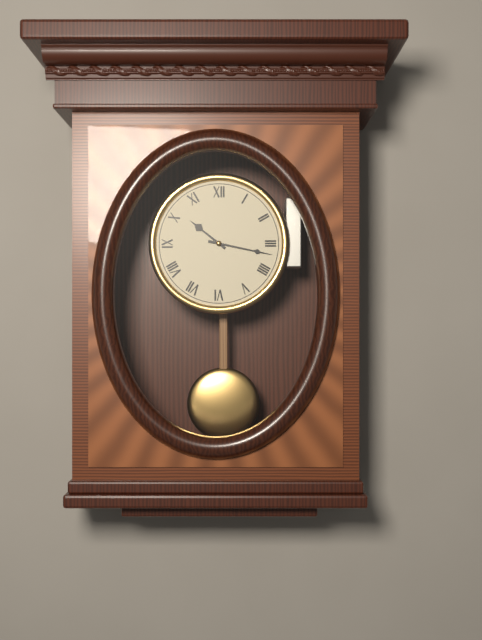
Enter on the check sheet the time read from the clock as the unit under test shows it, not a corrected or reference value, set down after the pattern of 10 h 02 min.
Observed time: 10 h 17 min
